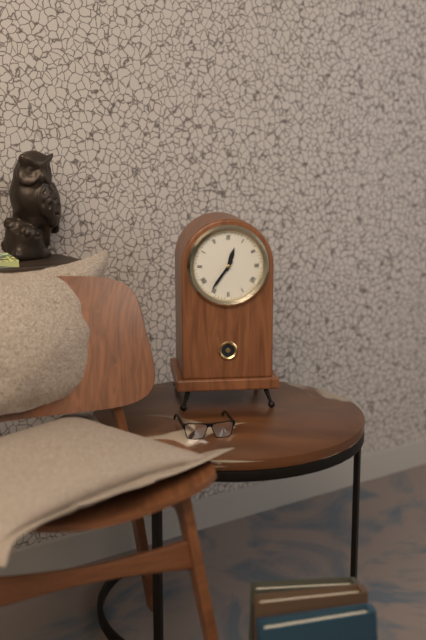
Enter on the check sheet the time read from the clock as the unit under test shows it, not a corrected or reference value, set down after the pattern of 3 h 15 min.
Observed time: 12 h 36 min
